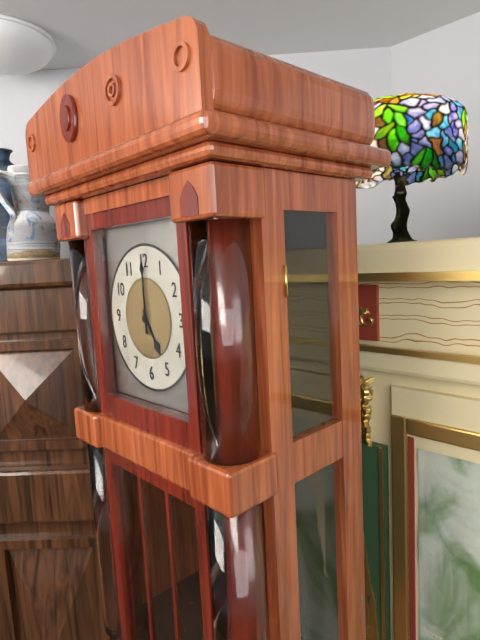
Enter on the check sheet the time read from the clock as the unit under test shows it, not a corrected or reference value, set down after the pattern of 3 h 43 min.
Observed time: 5 h 00 min
